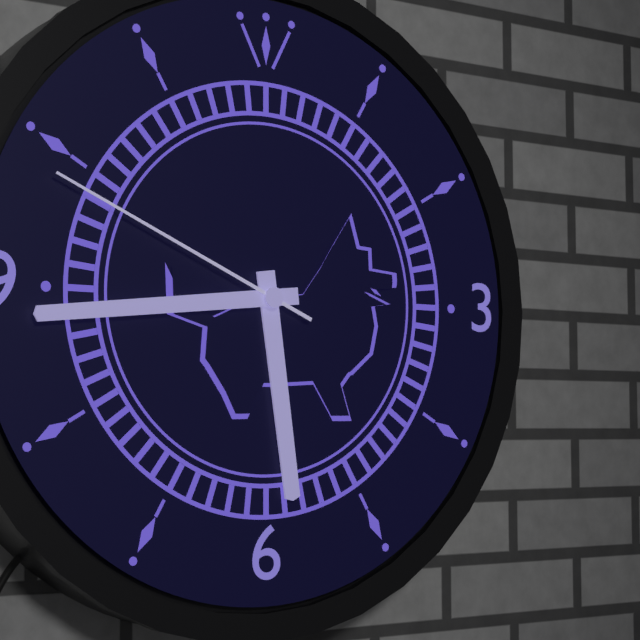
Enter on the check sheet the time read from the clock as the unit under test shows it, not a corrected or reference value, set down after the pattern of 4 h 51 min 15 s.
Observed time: 5 h 44 min 49 s
